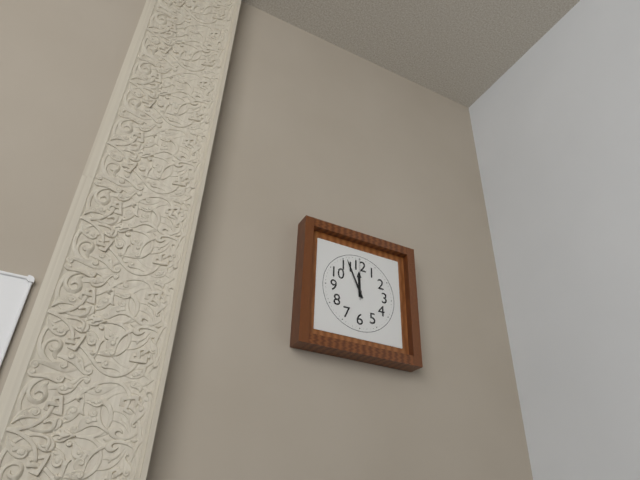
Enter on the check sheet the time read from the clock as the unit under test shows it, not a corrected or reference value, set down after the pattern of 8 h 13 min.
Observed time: 11 h 56 min
